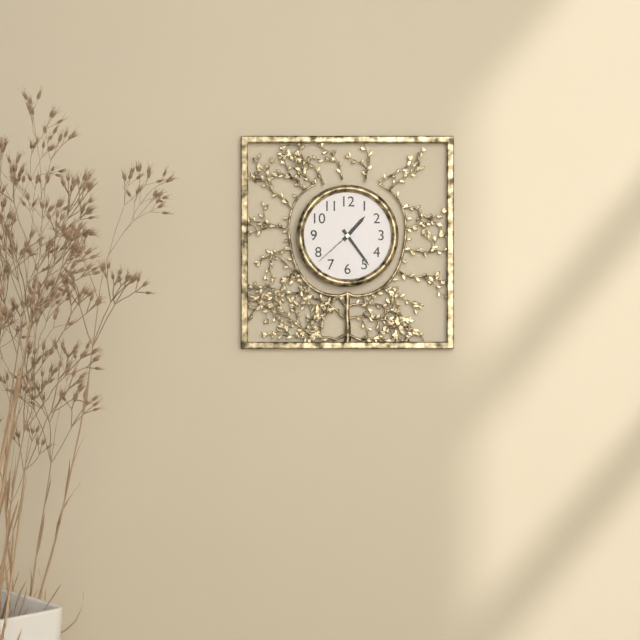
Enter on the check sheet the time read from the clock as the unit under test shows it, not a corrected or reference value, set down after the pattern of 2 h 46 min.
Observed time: 1 h 24 min
